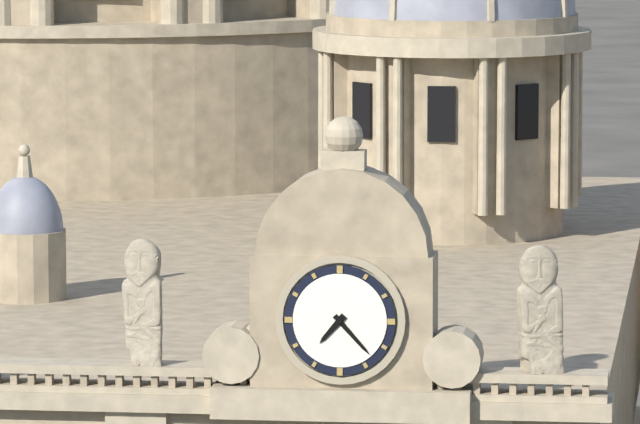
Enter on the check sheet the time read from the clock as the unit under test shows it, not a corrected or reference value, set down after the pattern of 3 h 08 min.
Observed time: 7 h 23 min
